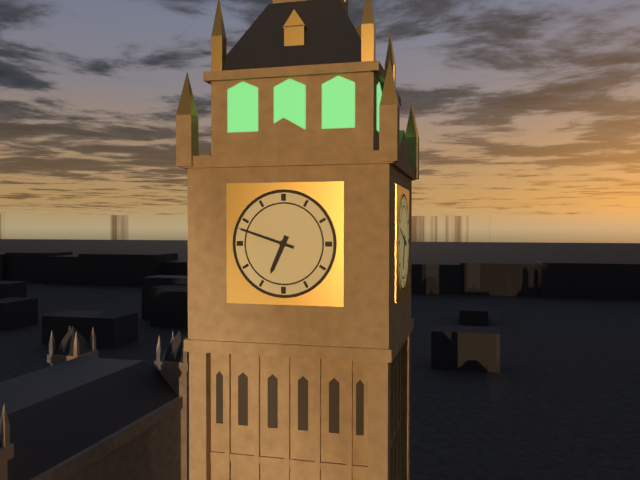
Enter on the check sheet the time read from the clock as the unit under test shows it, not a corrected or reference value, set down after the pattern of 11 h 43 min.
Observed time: 6 h 48 min
